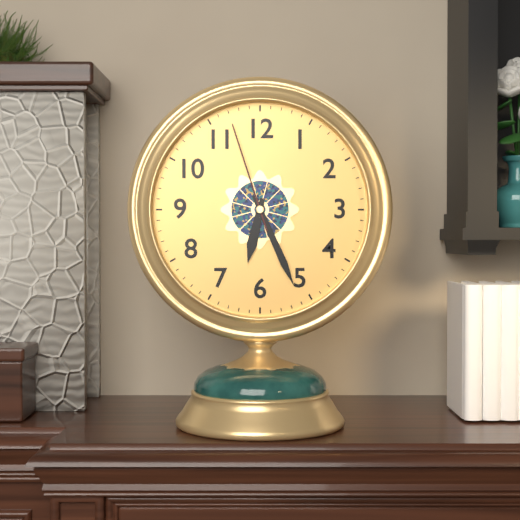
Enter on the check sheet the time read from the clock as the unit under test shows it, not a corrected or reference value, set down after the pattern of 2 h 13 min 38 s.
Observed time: 6 h 26 min 57 s
